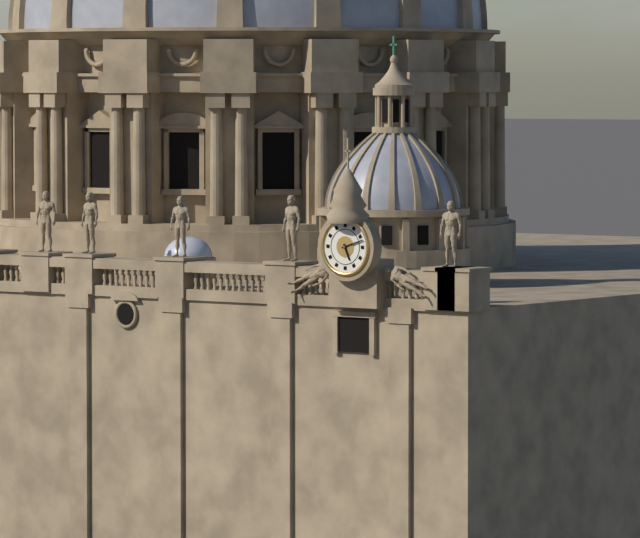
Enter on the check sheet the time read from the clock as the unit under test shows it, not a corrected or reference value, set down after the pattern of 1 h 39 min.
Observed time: 5 h 12 min
